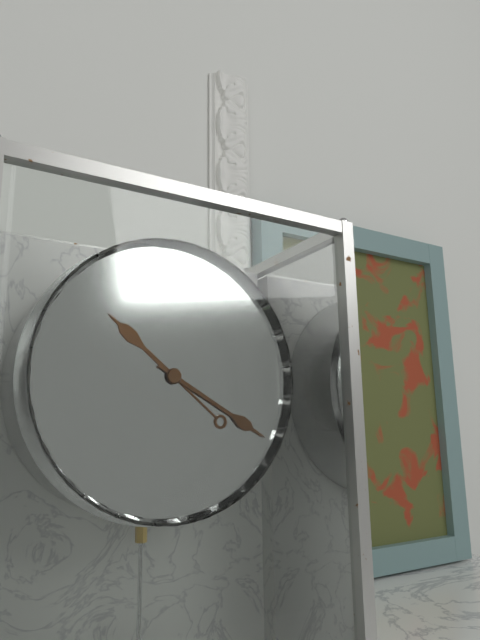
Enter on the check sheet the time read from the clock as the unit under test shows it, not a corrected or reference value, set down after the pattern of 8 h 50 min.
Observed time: 10 h 20 min
